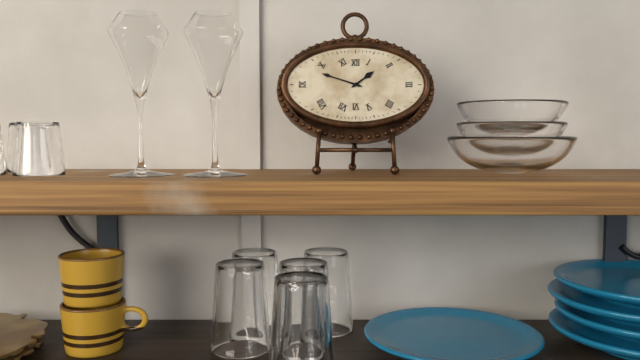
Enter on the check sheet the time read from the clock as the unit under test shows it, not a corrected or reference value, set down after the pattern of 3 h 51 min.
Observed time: 1 h 48 min
